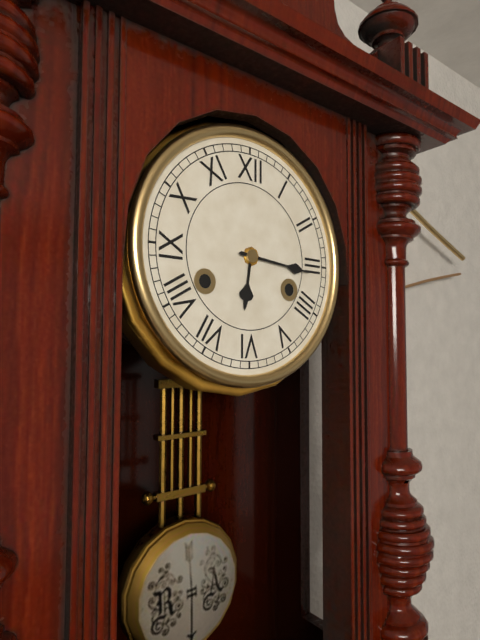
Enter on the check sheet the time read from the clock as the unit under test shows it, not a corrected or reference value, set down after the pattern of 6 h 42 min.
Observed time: 6 h 16 min
